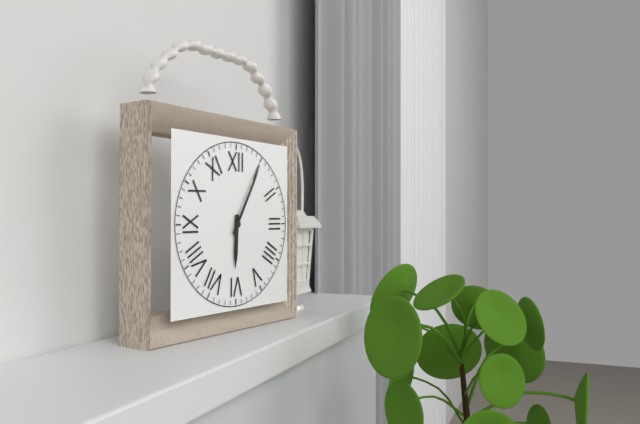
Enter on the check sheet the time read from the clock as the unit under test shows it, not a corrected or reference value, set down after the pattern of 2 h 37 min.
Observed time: 6 h 05 min
